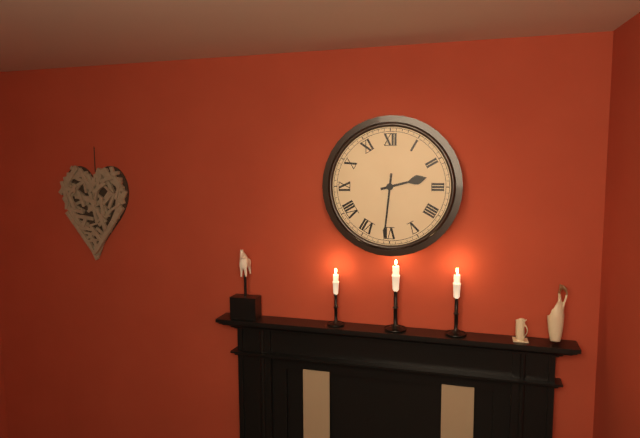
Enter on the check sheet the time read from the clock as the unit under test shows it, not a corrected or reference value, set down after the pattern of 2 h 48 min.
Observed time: 2 h 31 min
